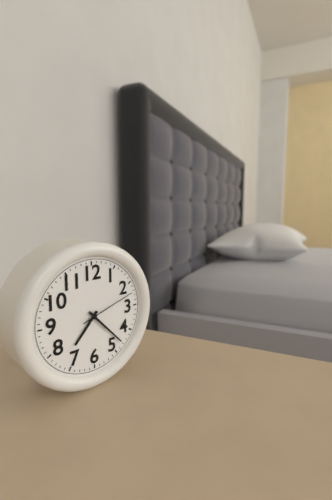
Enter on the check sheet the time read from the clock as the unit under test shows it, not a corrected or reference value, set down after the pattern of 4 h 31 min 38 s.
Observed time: 7 h 23 min 12 s
